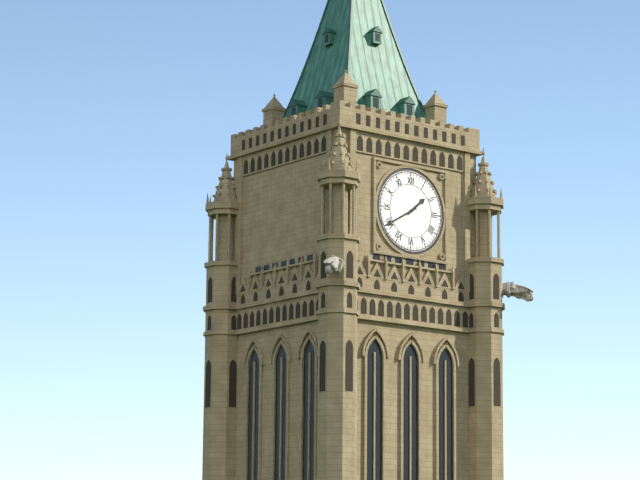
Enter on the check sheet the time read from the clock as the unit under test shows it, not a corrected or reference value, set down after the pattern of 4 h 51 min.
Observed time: 1 h 40 min
